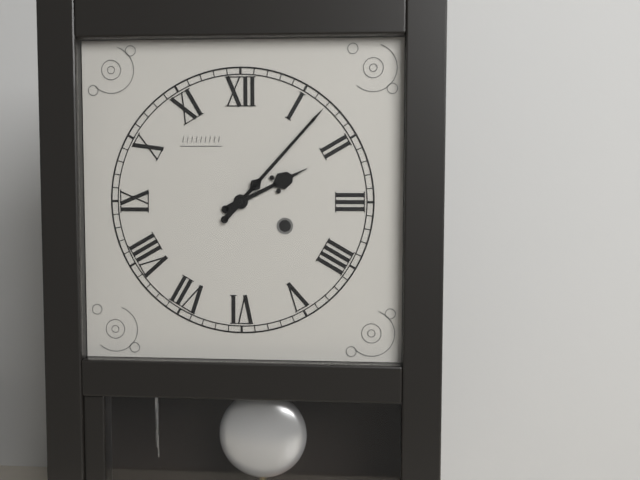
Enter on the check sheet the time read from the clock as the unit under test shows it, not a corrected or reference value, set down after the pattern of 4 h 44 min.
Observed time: 2 h 07 min
